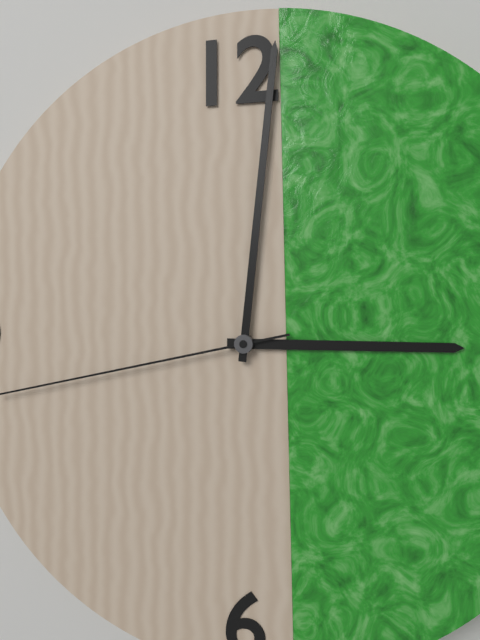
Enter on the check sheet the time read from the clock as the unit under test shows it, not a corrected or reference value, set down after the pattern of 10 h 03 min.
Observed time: 3 h 01 min
